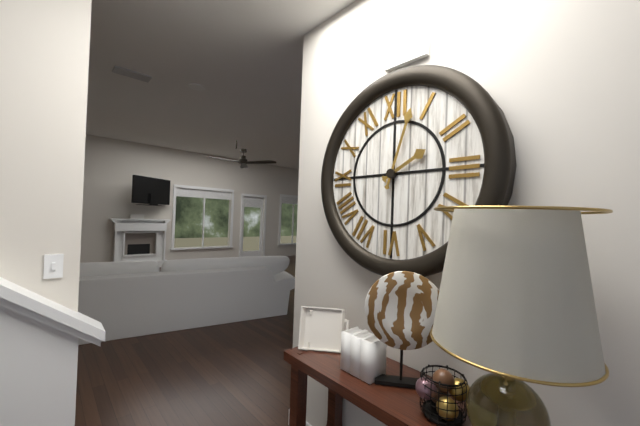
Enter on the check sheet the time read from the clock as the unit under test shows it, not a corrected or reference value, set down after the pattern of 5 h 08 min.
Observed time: 2 h 03 min
